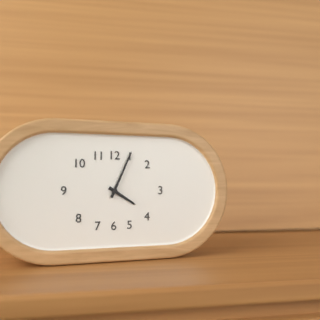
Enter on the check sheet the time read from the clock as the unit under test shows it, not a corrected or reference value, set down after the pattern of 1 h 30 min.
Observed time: 4 h 04 min
